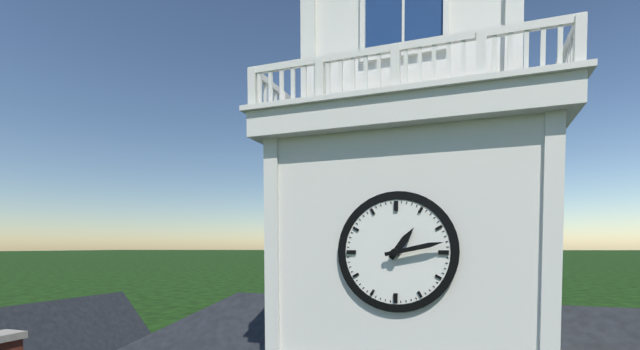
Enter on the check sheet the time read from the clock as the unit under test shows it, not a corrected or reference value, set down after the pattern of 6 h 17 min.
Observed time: 1 h 13 min
